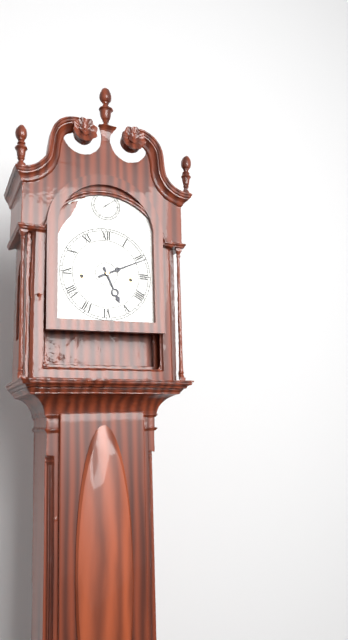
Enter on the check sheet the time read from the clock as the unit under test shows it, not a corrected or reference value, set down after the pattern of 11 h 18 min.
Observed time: 5 h 11 min
